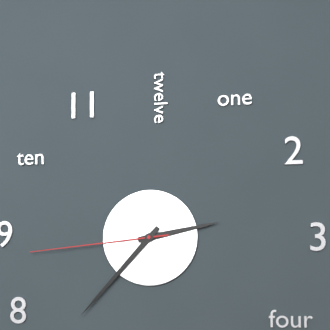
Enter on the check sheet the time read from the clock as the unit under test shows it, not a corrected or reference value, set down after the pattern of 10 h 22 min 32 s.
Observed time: 2 h 37 min 44 s
